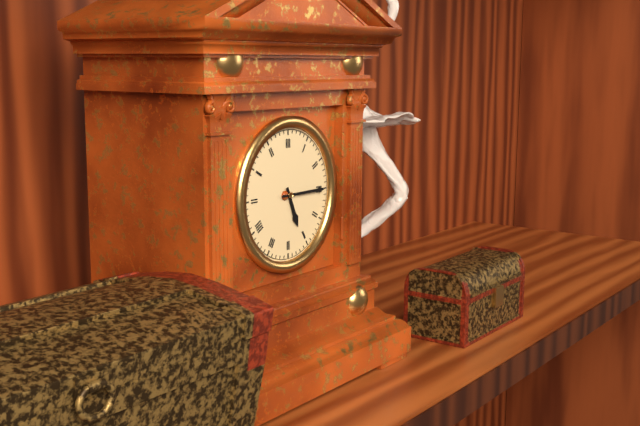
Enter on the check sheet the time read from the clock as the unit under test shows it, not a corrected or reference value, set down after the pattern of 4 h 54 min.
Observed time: 5 h 15 min
